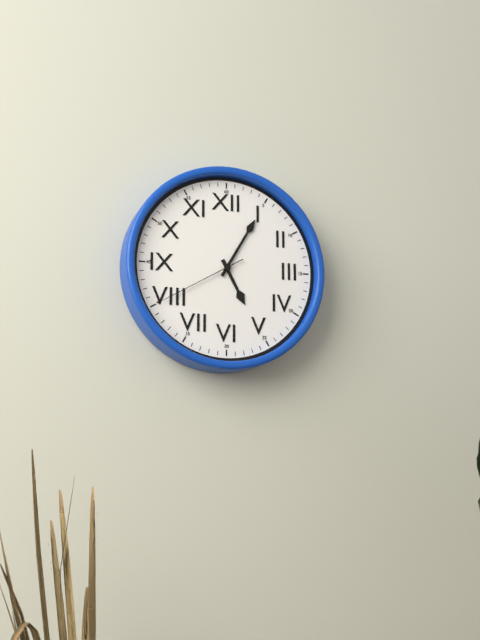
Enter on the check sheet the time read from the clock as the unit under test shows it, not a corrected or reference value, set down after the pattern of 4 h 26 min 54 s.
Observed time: 5 h 05 min 40 s
